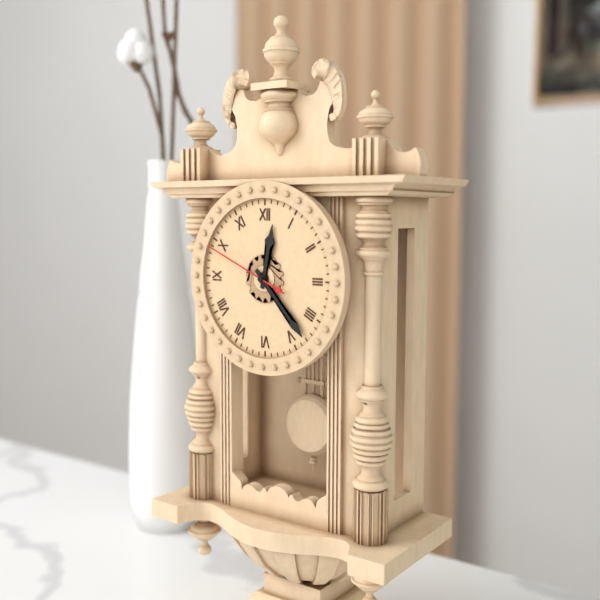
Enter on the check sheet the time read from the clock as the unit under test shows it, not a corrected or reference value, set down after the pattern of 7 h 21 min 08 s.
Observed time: 12 h 23 min 49 s
